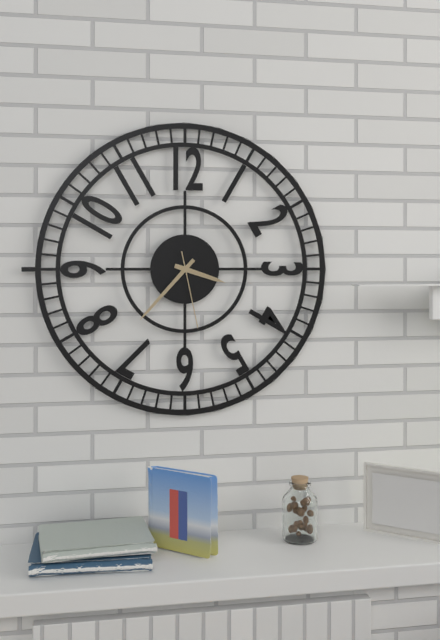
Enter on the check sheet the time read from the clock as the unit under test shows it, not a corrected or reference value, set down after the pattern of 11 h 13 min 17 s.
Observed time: 3 h 37 min 28 s
